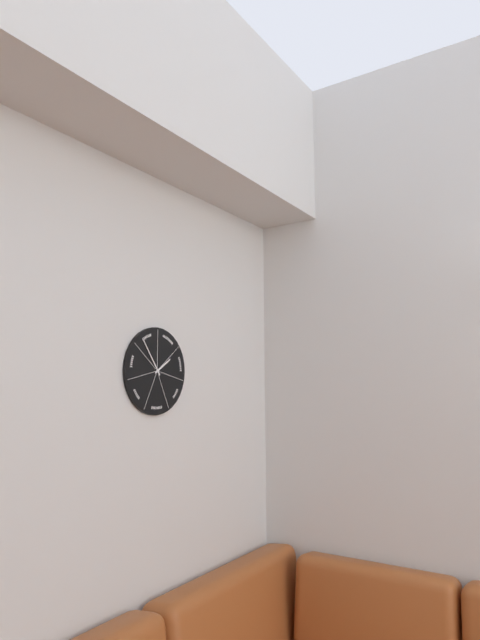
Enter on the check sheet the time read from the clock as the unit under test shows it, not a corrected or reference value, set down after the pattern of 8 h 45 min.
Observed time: 1 h 54 min
